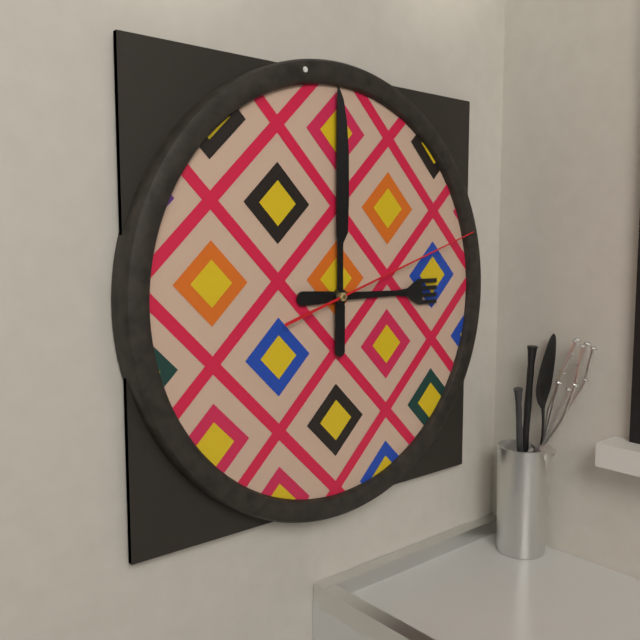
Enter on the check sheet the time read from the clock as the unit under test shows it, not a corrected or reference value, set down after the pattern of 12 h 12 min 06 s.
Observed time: 3 h 00 min 12 s
